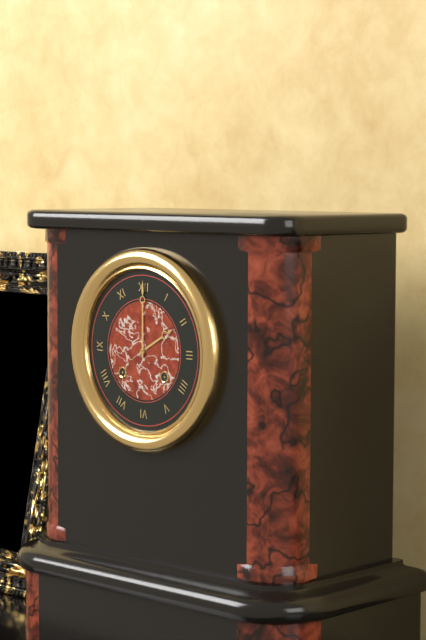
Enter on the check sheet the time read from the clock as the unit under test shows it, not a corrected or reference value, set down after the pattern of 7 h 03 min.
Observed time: 2 h 00 min
